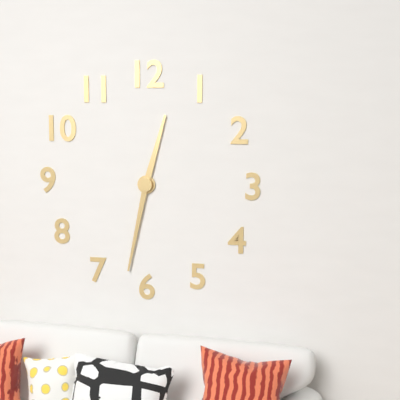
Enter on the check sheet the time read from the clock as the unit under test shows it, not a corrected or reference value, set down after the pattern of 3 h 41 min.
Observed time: 12 h 32 min
